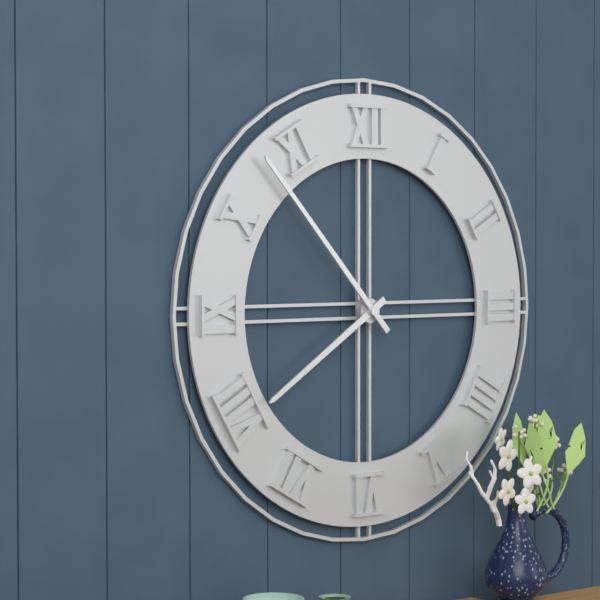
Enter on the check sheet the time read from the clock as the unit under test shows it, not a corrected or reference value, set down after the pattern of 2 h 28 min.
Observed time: 7 h 53 min
